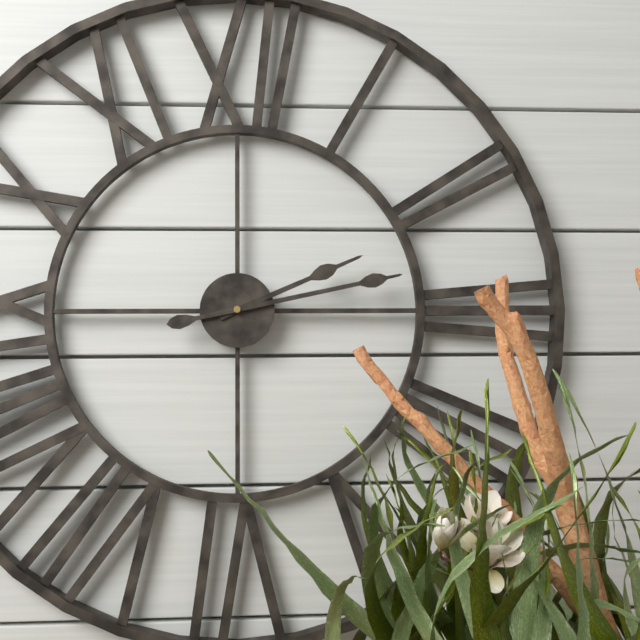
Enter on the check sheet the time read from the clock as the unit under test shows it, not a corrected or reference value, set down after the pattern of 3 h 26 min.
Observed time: 2 h 13 min
